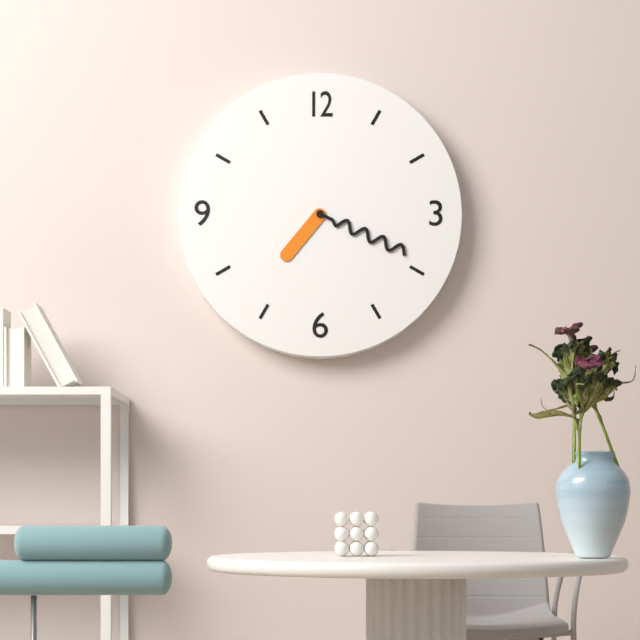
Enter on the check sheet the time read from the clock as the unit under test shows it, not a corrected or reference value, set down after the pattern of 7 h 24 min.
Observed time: 7 h 19 min
